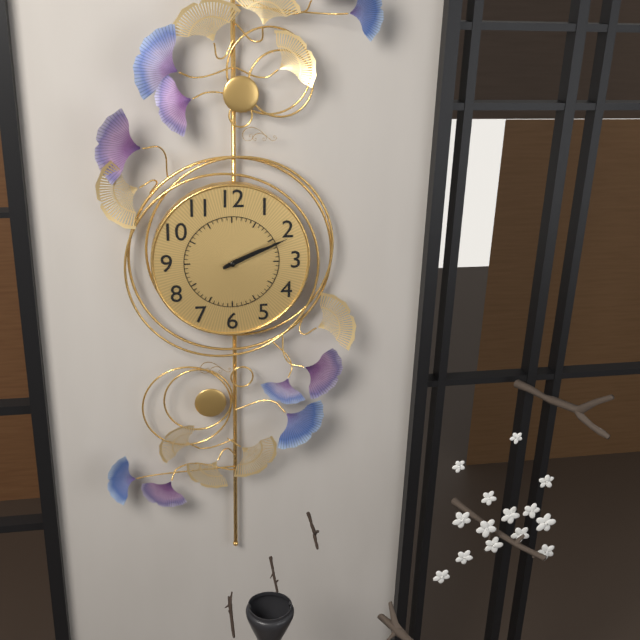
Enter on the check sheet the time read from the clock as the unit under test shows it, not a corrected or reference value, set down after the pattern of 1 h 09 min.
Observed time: 2 h 11 min
